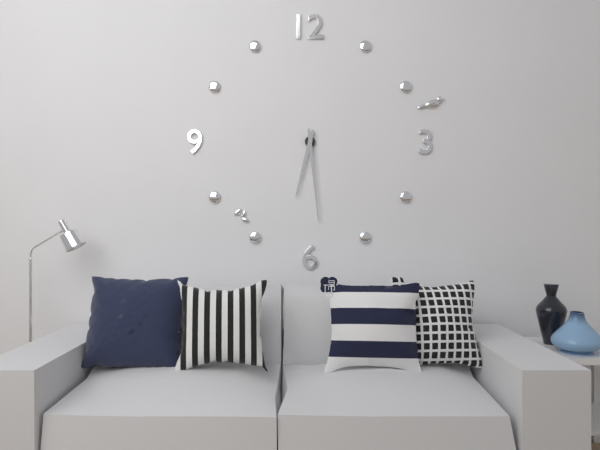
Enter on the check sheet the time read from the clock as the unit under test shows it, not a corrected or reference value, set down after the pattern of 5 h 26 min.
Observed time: 6 h 29 min
